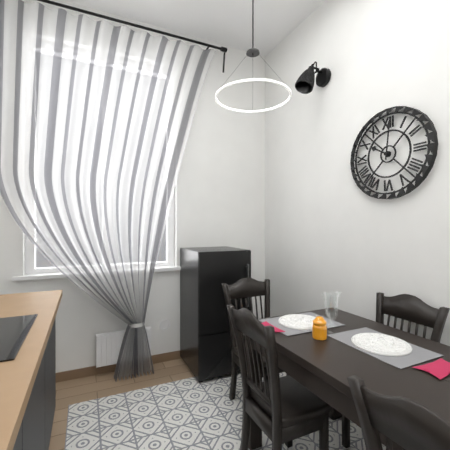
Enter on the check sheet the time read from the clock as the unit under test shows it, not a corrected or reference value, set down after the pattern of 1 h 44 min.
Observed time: 10 h 01 min
